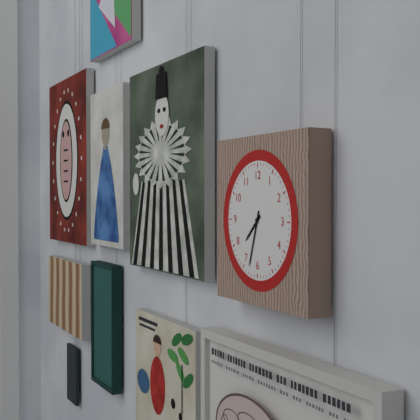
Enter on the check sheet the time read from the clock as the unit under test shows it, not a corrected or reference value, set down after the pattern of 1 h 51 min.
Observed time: 7 h 33 min
